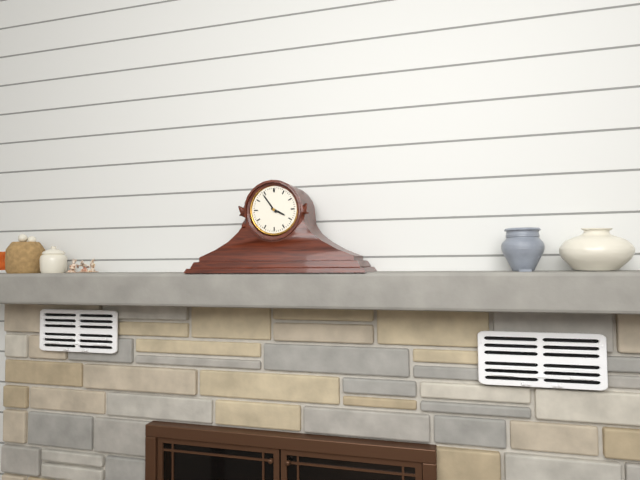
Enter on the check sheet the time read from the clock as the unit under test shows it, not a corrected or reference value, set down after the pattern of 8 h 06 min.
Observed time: 3 h 54 min
